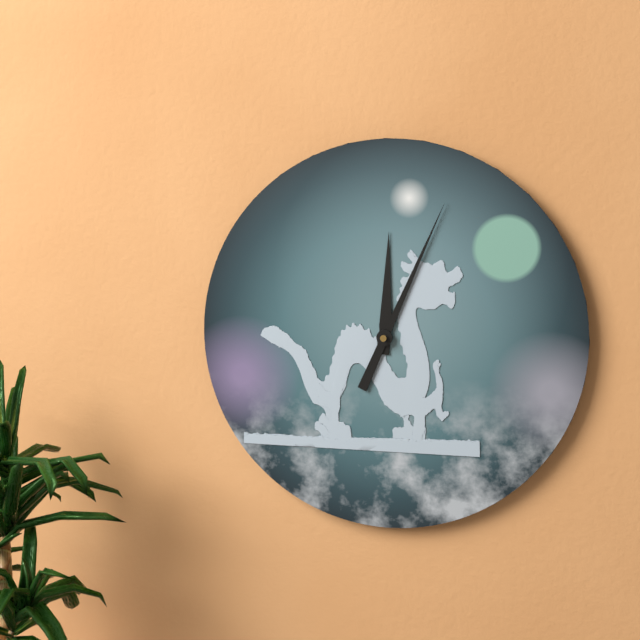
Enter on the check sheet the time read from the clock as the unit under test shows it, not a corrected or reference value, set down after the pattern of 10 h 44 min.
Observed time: 12 h 04 min
